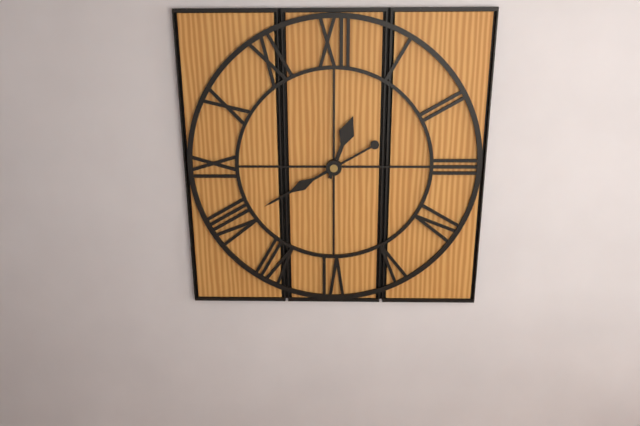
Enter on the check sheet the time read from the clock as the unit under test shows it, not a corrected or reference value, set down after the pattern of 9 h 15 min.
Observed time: 12 h 40 min
